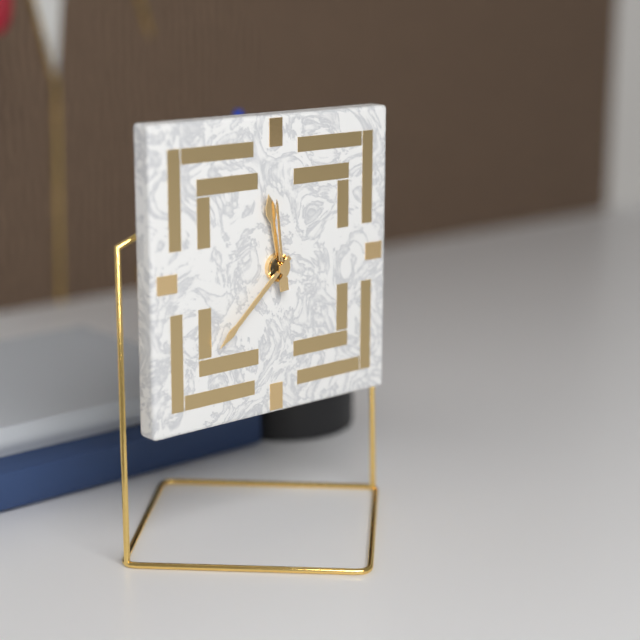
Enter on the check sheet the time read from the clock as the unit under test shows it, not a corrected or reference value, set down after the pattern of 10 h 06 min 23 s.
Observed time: 11 h 38 min 59 s
